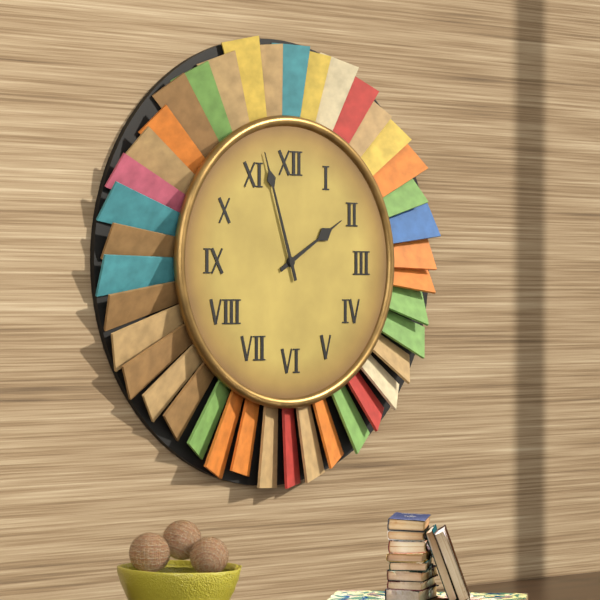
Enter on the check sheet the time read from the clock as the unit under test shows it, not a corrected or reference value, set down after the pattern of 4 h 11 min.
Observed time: 1 h 57 min
